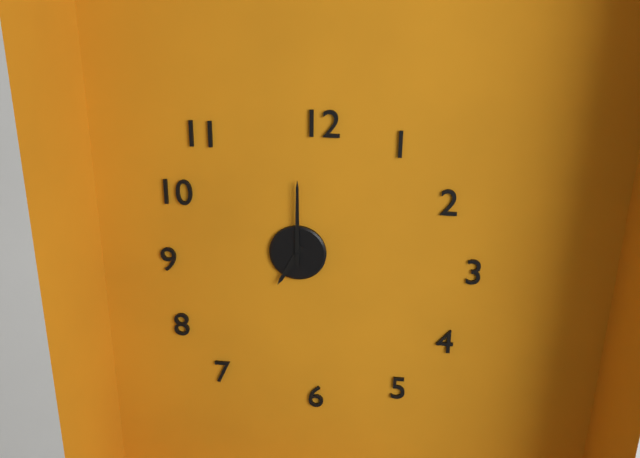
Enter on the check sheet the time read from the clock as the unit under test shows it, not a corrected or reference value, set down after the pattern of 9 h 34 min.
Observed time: 7 h 00 min
